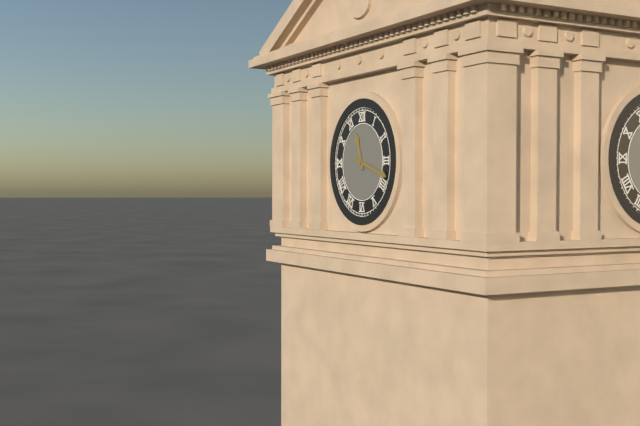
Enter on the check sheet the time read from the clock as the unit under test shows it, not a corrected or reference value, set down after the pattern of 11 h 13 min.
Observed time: 11 h 18 min
